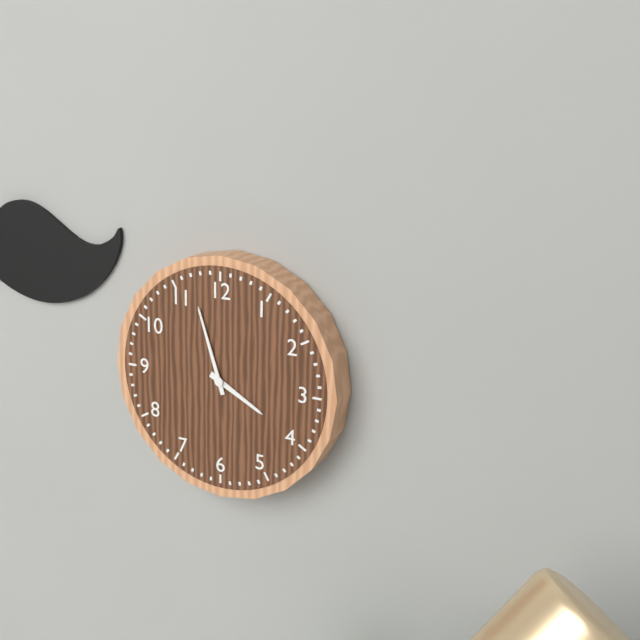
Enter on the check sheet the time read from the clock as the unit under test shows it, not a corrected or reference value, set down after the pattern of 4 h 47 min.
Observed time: 3 h 57 min
